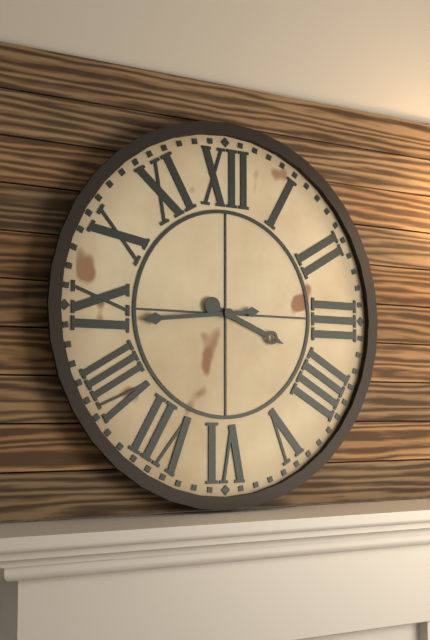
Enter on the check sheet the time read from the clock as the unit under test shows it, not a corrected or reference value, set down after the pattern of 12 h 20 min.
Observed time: 3 h 44 min
